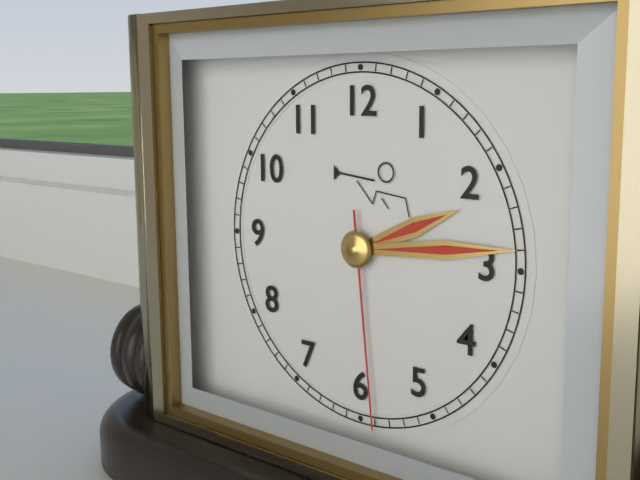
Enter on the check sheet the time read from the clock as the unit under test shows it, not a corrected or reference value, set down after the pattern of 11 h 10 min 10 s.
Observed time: 2 h 14 min 29 s
